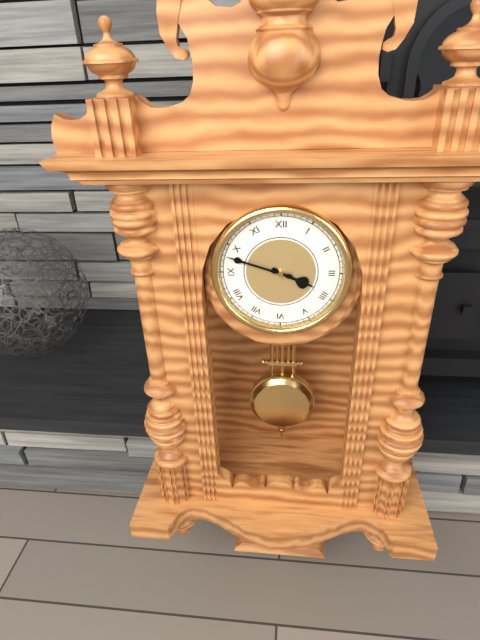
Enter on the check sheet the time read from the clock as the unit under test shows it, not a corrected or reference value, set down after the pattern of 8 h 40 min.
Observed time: 3 h 48 min
